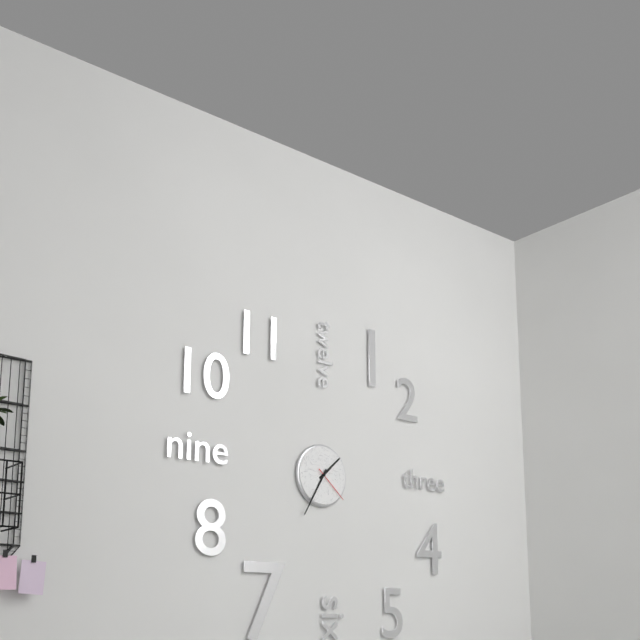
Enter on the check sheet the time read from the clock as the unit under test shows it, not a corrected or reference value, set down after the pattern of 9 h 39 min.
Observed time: 1 h 35 min
